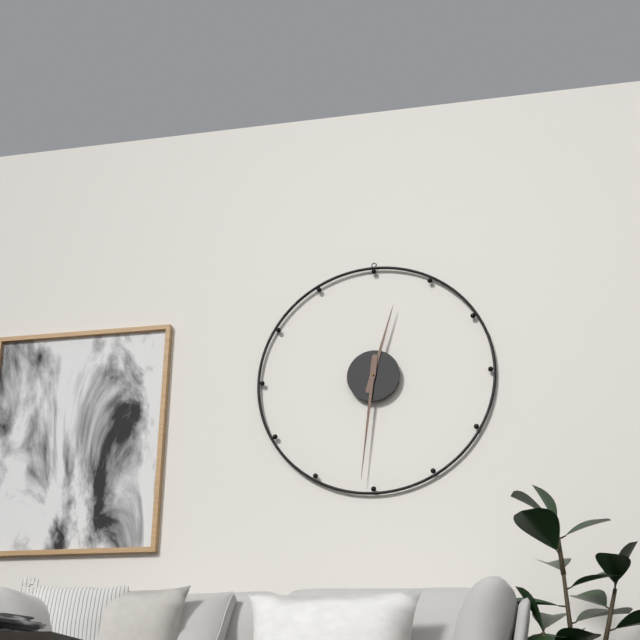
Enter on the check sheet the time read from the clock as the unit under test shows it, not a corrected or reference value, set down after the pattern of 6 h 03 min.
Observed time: 12 h 31 min
